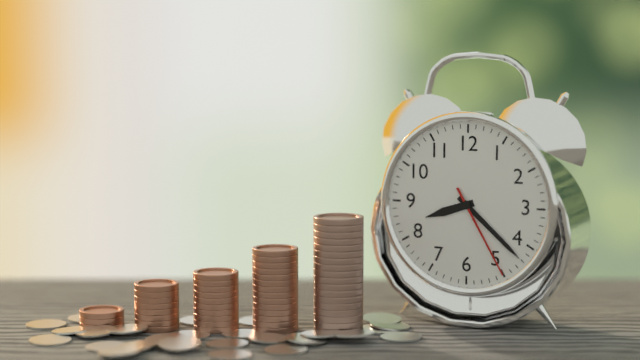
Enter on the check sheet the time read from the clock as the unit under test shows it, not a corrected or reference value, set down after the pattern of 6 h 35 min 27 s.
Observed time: 8 h 22 min 25 s
